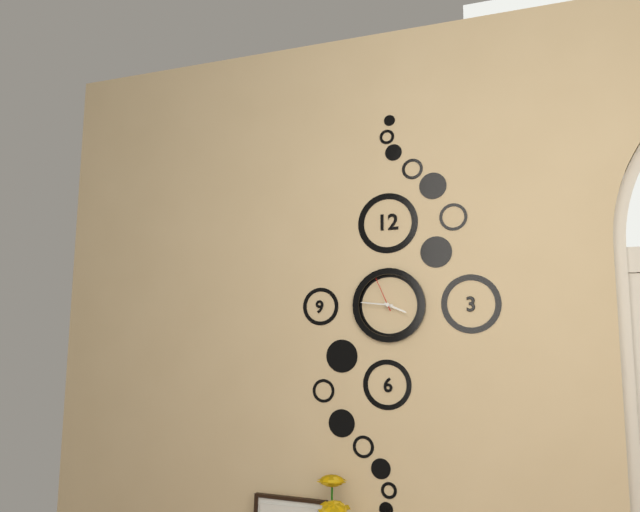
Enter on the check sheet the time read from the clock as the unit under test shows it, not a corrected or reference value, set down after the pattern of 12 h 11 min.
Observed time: 3 h 46 min
